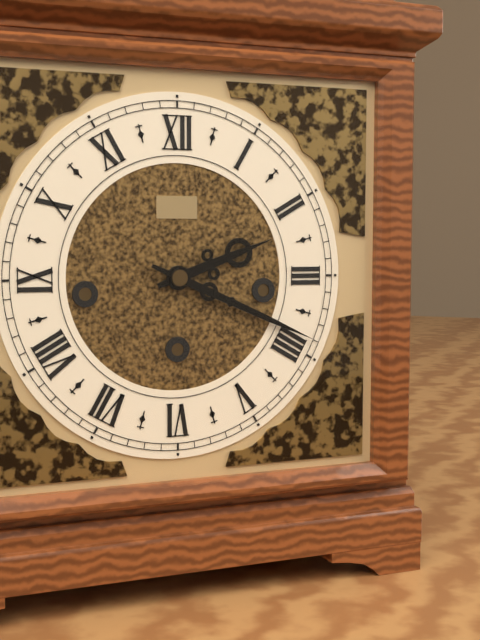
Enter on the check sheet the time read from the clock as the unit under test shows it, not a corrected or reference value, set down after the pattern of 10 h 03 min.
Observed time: 2 h 19 min
